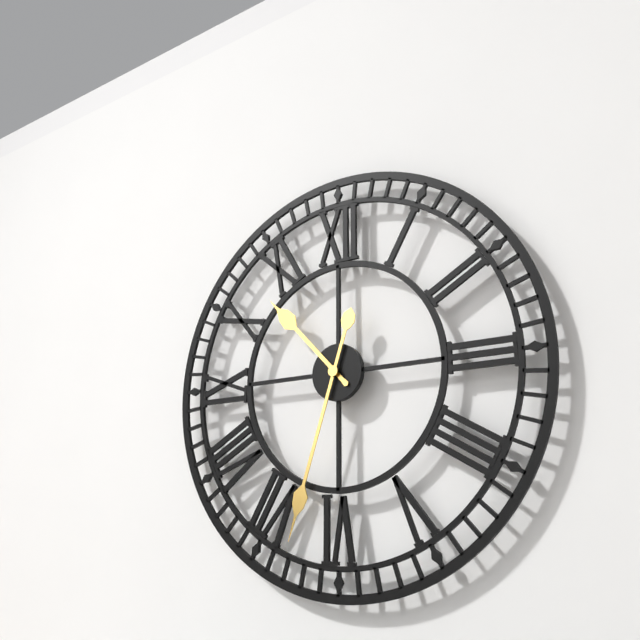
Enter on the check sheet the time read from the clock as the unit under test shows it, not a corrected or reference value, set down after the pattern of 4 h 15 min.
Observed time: 10 h 33 min
